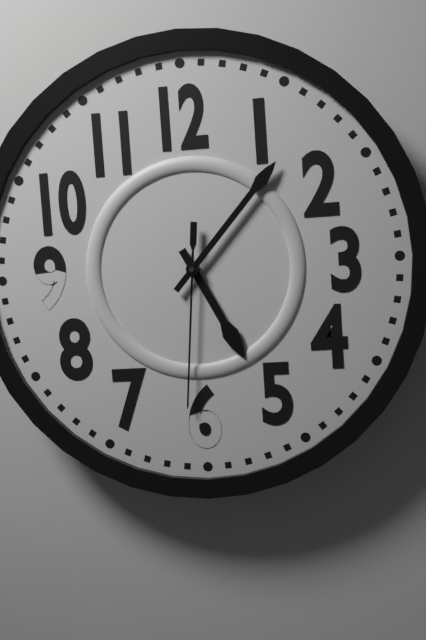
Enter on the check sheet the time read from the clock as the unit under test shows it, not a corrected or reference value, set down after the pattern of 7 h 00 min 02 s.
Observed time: 5 h 07 min 31 s
